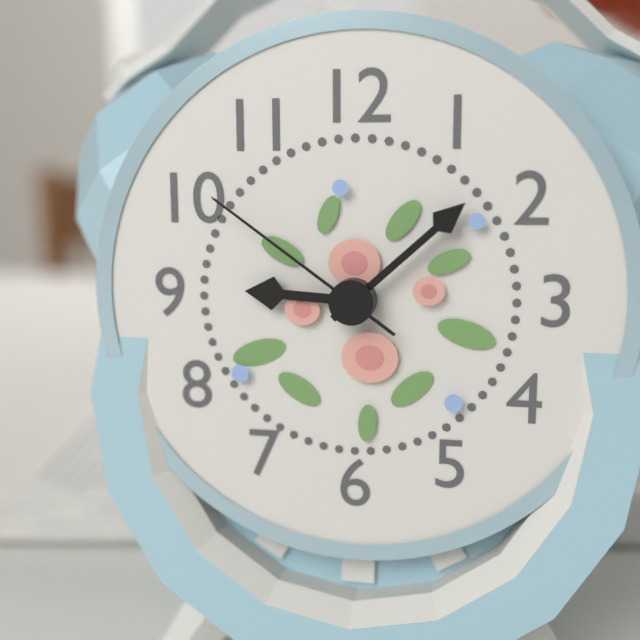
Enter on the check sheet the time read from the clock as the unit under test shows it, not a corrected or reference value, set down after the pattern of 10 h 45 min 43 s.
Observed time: 9 h 08 min 51 s
